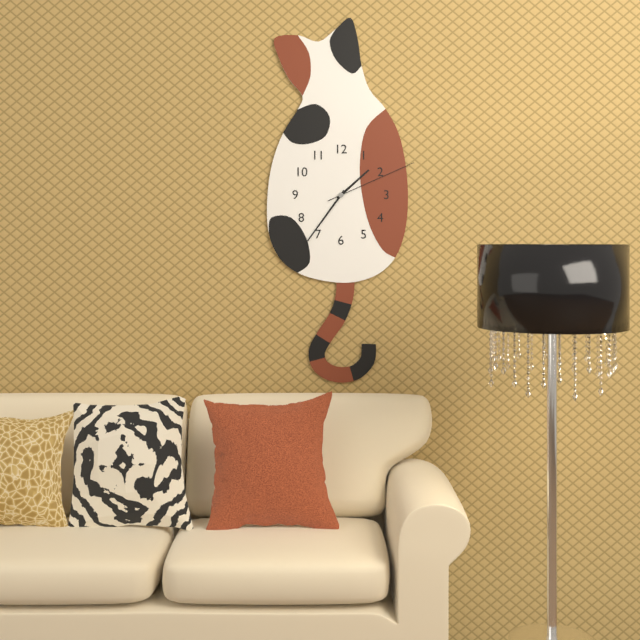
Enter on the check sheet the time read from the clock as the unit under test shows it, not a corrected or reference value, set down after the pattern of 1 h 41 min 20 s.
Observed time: 1 h 36 min 11 s
